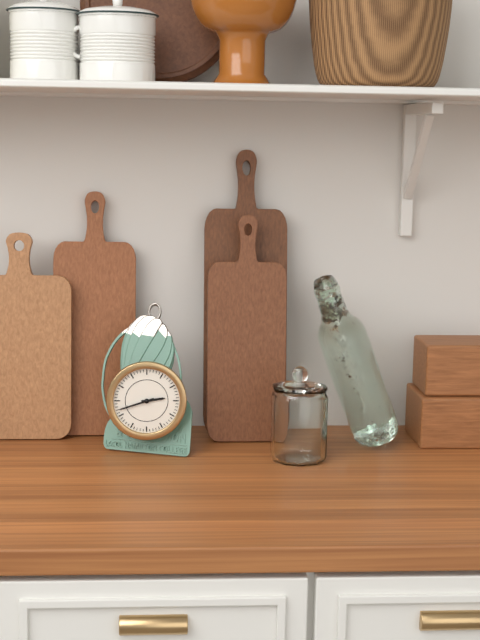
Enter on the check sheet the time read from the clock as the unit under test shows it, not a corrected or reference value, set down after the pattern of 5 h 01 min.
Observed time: 2 h 42 min
